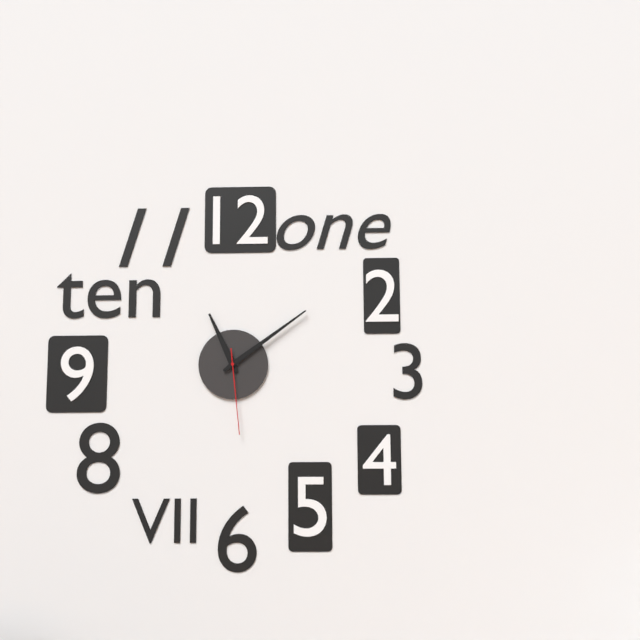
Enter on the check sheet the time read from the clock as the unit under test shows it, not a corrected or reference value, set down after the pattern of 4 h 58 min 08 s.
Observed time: 11 h 09 min 29 s
